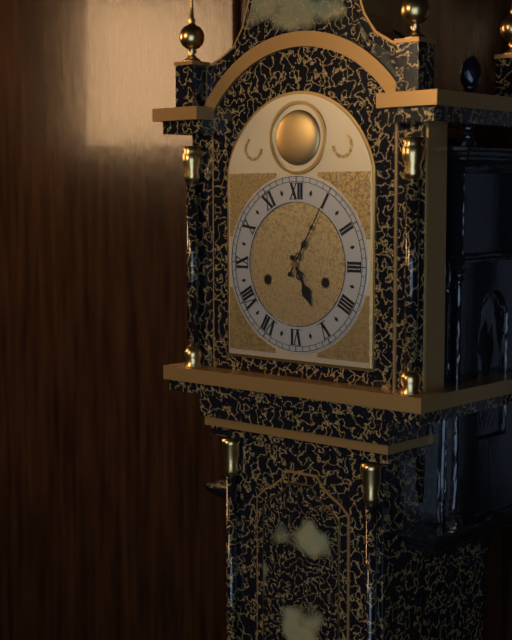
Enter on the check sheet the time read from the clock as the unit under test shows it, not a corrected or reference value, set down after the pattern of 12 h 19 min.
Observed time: 5 h 05 min
